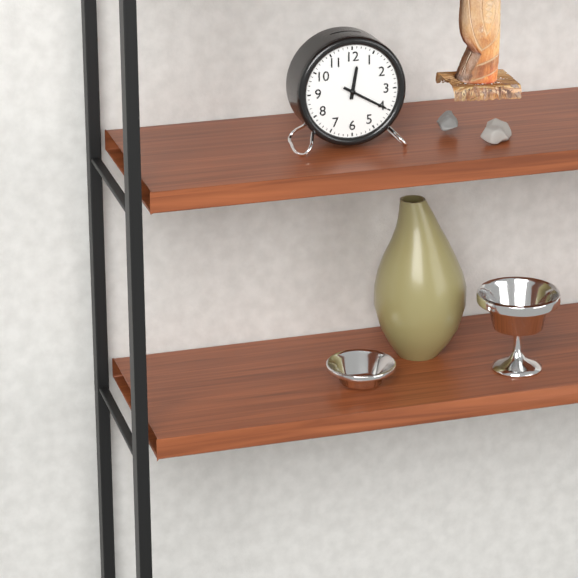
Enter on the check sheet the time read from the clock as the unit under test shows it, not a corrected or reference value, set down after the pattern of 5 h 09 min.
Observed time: 12 h 20 min
